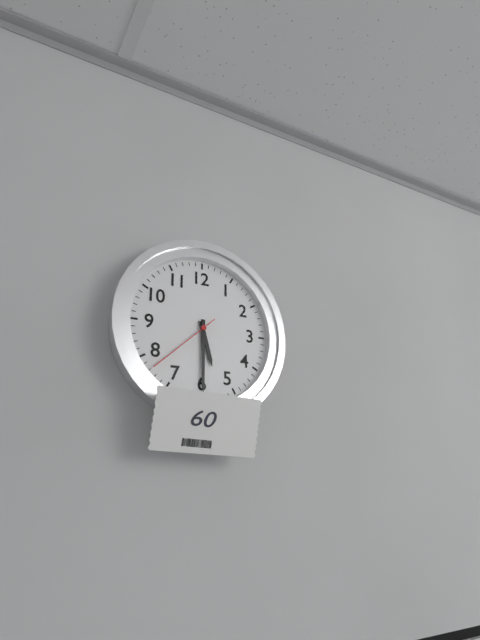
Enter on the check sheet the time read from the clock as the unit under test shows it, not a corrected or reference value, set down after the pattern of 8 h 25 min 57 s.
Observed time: 5 h 30 min 38 s
